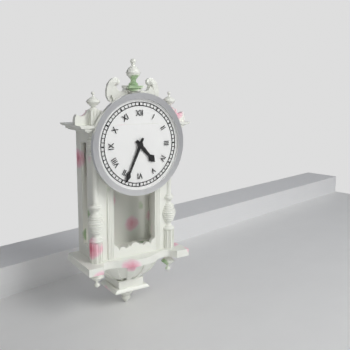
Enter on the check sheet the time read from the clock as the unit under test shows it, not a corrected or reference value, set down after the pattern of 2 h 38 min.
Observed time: 4 h 34 min
